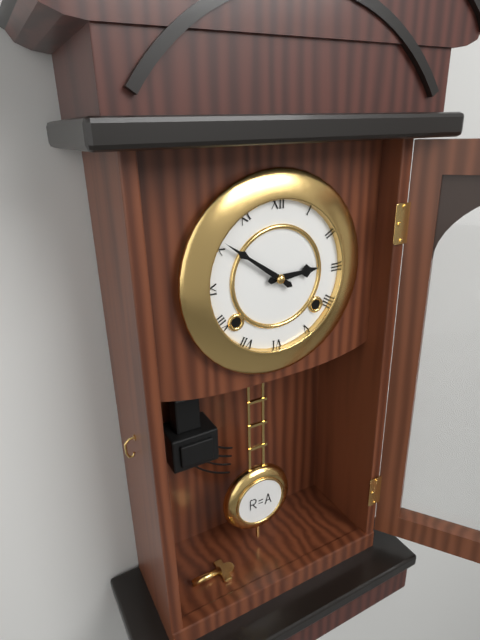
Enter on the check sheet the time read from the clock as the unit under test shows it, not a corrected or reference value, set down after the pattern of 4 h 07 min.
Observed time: 2 h 51 min
